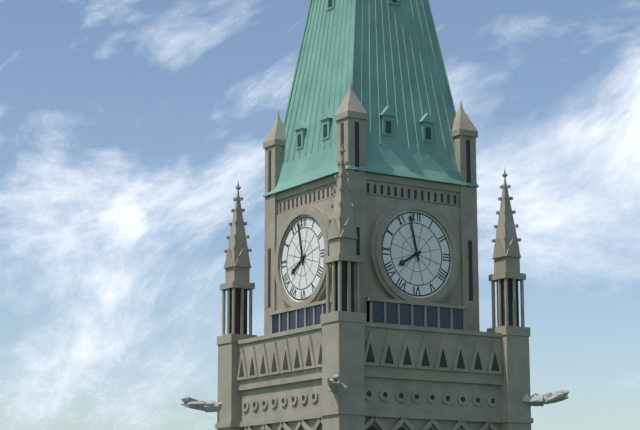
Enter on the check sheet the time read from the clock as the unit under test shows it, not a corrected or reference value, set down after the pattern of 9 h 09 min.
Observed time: 7 h 58 min
